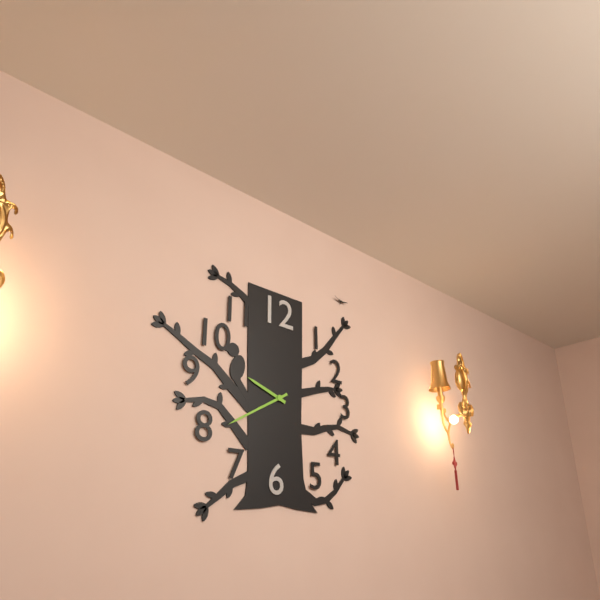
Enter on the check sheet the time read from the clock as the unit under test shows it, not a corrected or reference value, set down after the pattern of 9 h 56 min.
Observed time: 9 h 40 min
